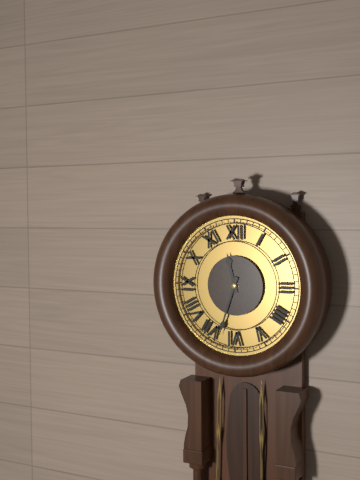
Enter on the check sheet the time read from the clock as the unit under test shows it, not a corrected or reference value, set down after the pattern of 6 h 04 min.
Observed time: 11 h 33 min
